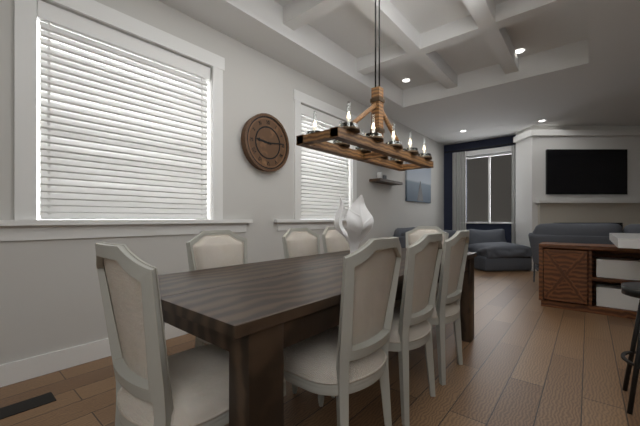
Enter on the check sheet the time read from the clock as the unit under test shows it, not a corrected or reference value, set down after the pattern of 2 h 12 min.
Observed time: 9 h 14 min
